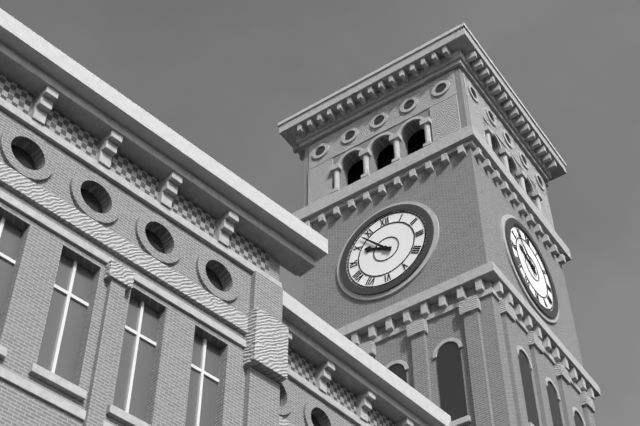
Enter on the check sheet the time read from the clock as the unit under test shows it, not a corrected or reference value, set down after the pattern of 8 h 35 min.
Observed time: 9 h 53 min
